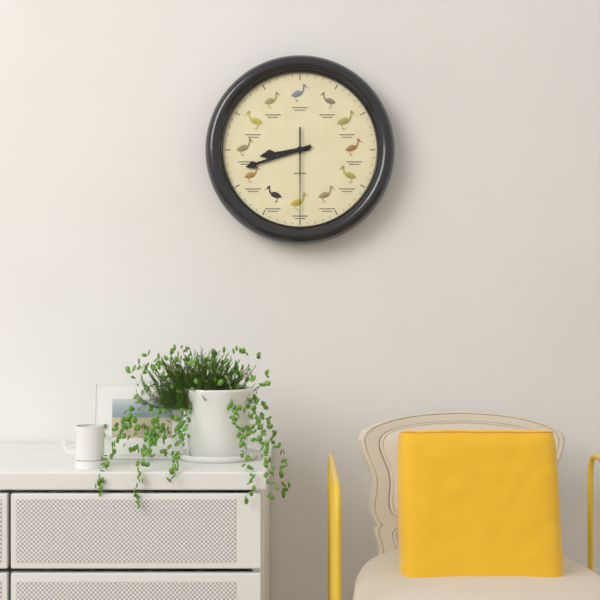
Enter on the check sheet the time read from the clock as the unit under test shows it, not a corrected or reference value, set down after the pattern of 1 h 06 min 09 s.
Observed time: 8 h 42 min 30 s
